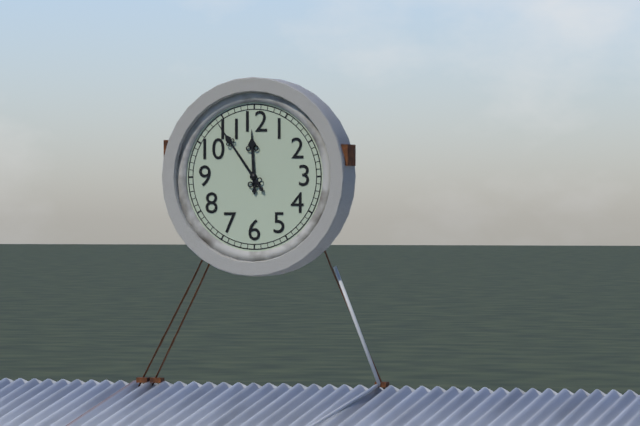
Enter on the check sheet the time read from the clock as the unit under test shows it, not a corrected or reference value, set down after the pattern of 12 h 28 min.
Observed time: 11 h 54 min
